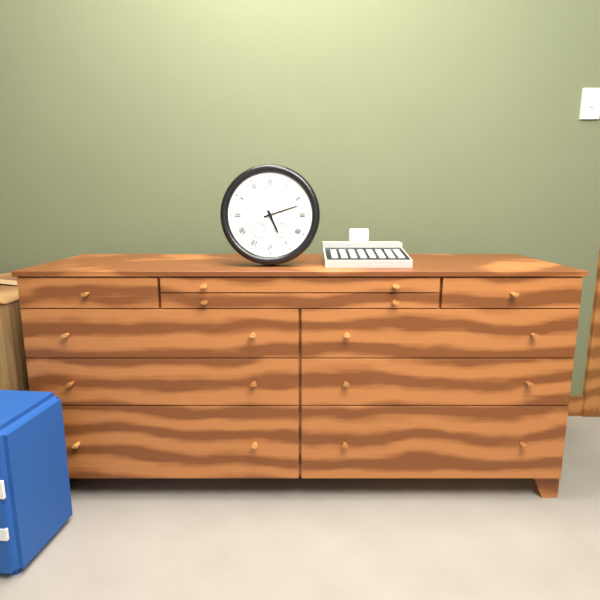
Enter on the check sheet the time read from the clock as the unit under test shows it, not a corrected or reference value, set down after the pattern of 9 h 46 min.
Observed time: 5 h 12 min
